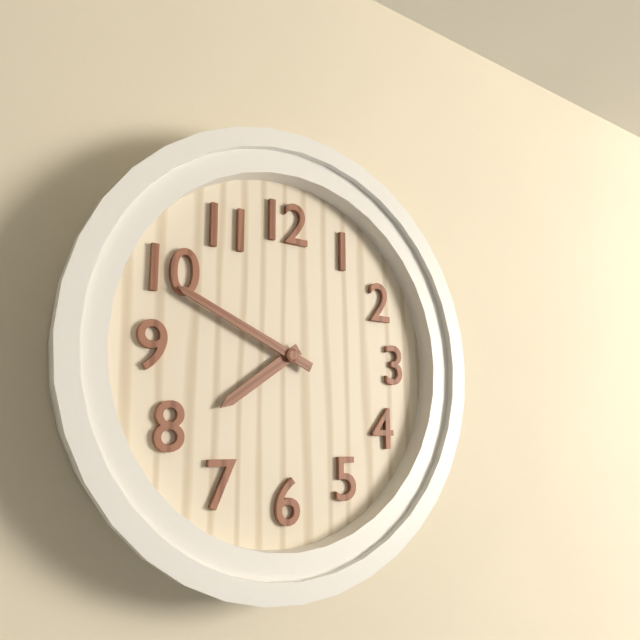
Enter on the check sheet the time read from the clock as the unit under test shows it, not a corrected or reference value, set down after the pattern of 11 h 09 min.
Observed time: 7 h 49 min
